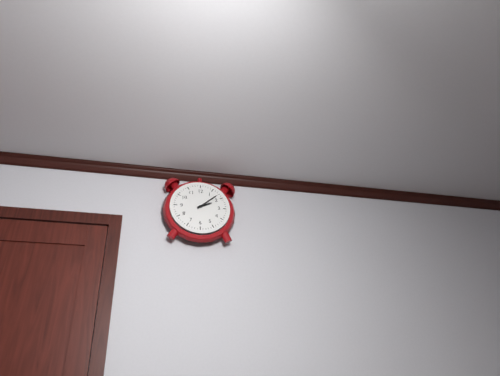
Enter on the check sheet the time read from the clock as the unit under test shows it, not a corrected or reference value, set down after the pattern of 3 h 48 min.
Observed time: 2 h 08 min
